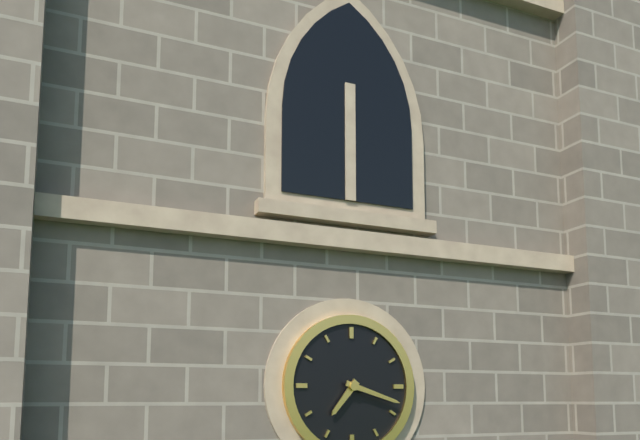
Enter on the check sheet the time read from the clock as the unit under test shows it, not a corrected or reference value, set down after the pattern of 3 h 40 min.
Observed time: 7 h 18 min
